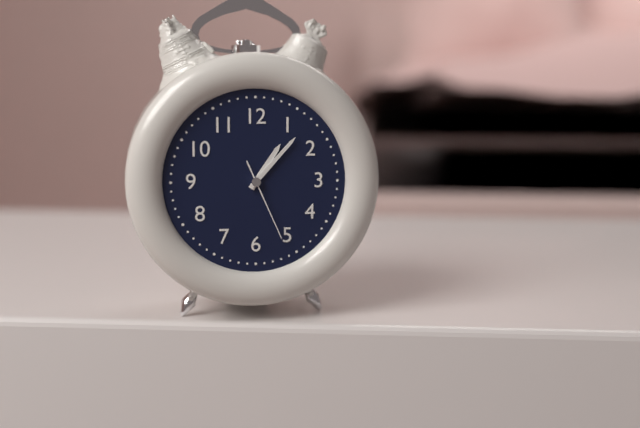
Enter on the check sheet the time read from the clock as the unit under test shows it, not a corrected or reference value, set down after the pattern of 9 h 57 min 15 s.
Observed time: 1 h 07 min 26 s
